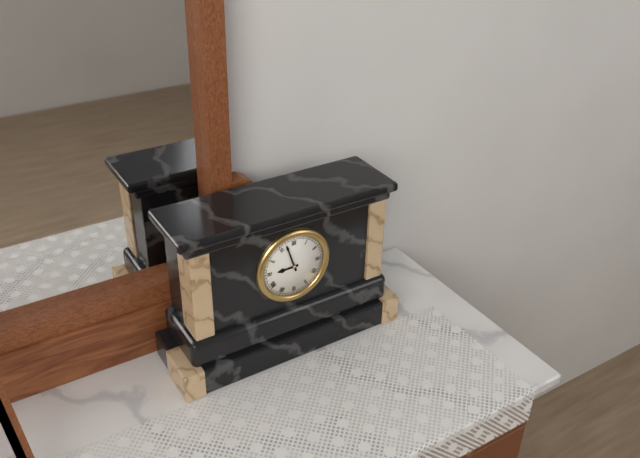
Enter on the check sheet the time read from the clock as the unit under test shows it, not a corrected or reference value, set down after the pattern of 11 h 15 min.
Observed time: 8 h 57 min
